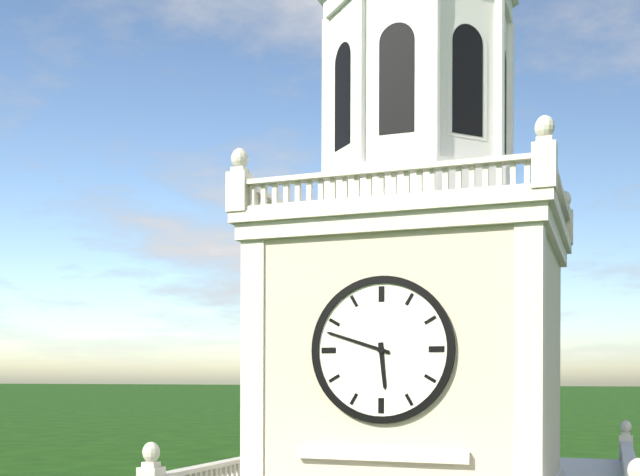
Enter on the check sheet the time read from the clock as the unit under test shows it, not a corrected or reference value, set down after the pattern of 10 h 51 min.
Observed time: 5 h 48 min
